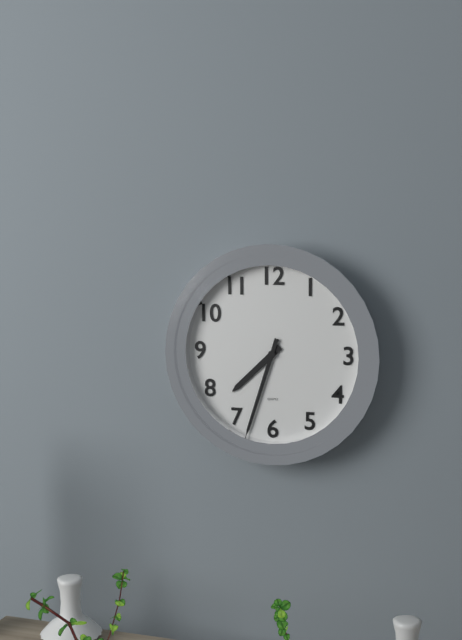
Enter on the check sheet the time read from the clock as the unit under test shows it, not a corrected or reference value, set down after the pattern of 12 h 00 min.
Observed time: 7 h 33 min
